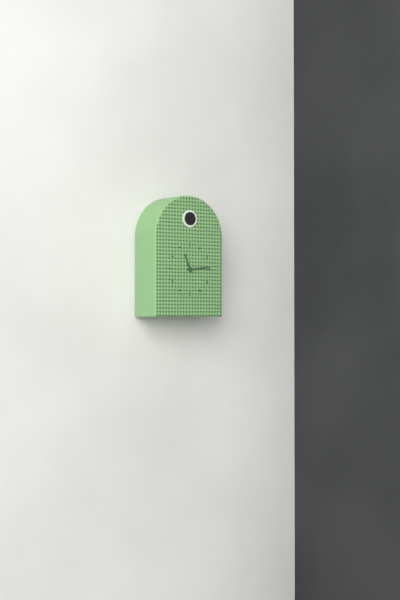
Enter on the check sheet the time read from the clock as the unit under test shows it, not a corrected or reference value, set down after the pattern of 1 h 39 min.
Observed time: 11 h 14 min
